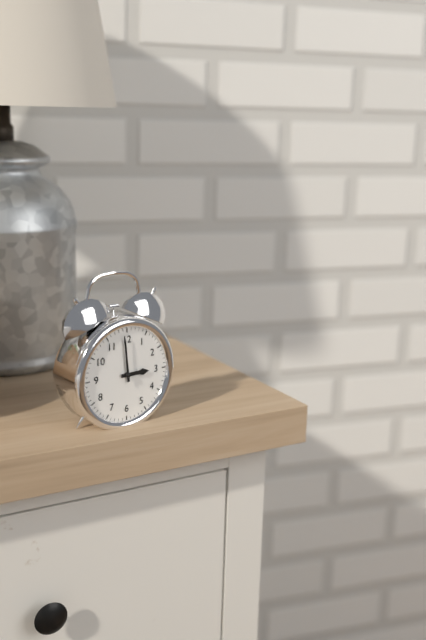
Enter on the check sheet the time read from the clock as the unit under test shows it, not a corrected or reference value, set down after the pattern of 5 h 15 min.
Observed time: 2 h 59 min
